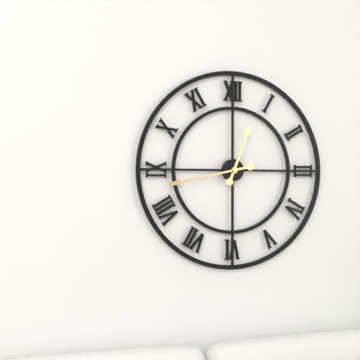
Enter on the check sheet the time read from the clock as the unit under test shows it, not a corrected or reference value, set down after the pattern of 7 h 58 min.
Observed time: 12 h 43 min
